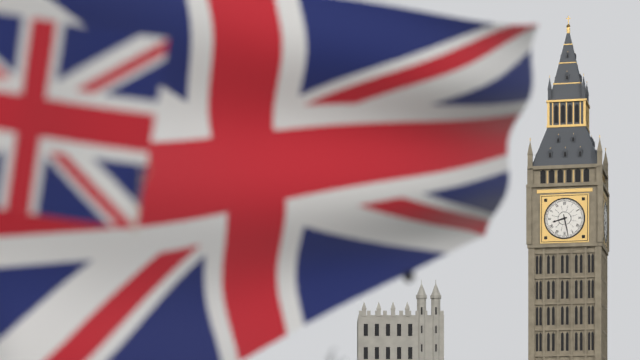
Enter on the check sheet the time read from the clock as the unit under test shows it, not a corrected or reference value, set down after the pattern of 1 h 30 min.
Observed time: 8 h 28 min
